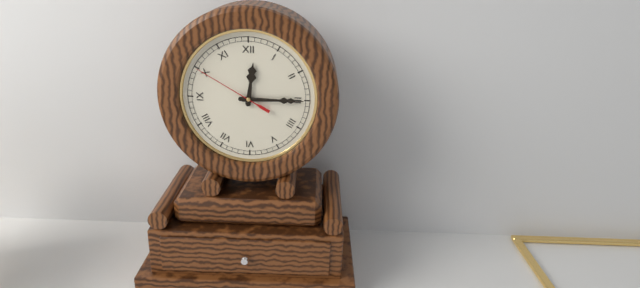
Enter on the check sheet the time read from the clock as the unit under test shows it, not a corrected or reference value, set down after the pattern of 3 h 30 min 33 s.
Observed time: 12 h 15 min 50 s
